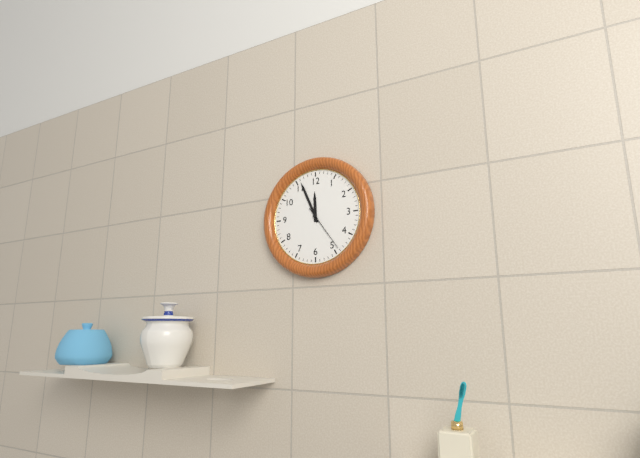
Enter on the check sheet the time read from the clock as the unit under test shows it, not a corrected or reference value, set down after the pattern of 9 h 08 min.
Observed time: 11 h 56 min
